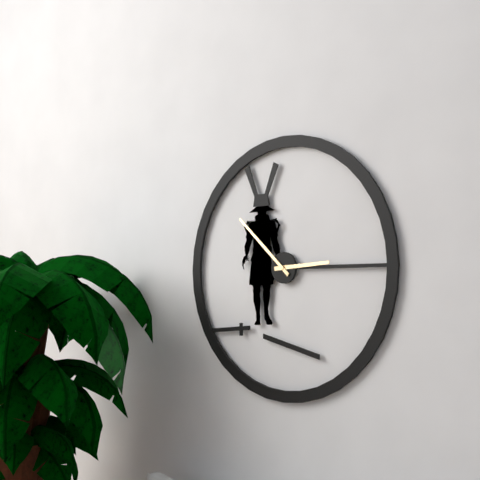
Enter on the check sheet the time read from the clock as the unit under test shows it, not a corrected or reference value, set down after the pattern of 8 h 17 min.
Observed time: 2 h 52 min
